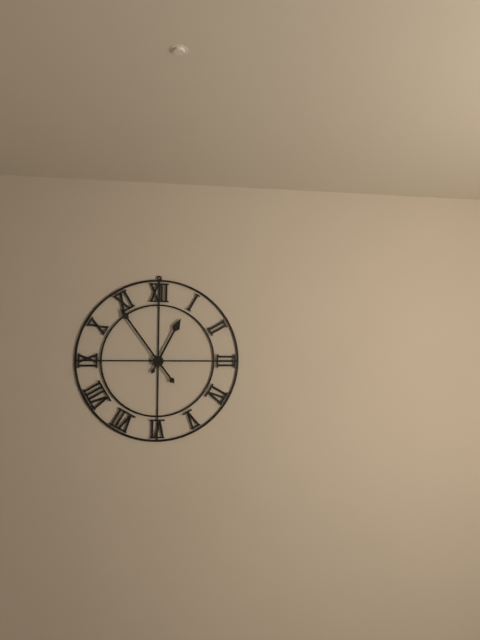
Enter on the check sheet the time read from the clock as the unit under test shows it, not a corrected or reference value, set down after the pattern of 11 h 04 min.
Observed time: 12 h 54 min
